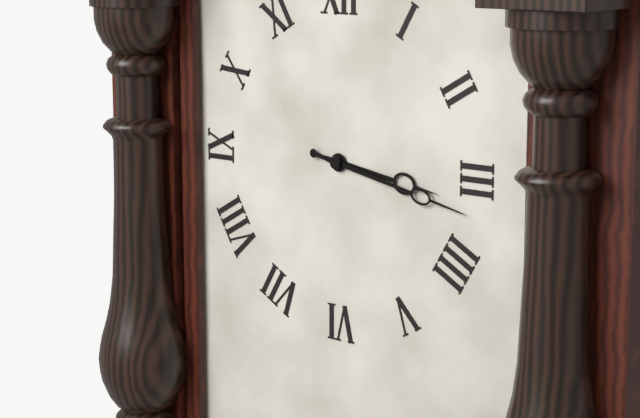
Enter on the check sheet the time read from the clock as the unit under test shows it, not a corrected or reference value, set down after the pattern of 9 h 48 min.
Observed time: 3 h 17 min
